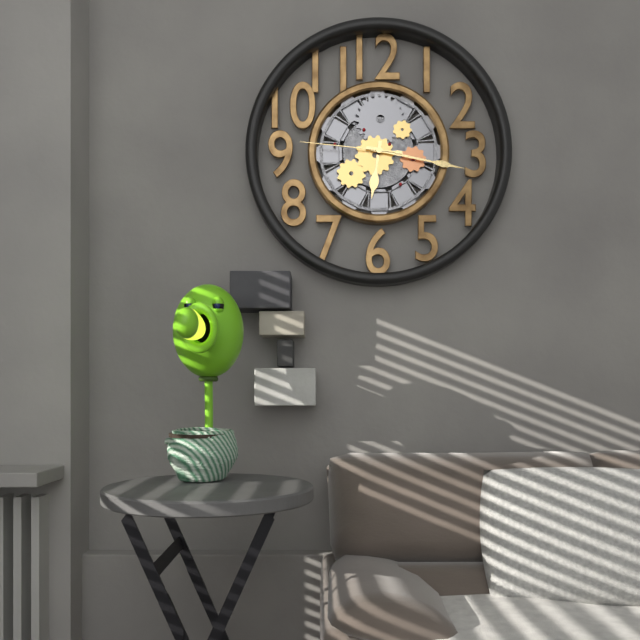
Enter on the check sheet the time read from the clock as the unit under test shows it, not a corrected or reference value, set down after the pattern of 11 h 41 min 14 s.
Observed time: 6 h 17 min 46 s
